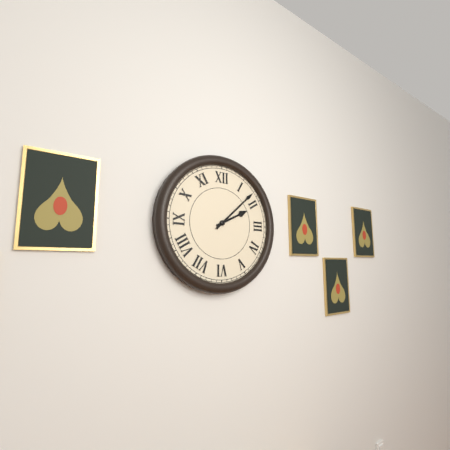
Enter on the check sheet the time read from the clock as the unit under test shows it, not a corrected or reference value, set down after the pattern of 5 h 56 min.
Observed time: 2 h 08 min
